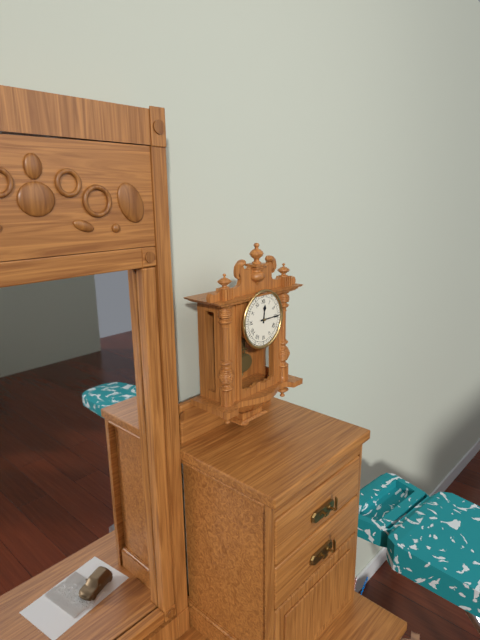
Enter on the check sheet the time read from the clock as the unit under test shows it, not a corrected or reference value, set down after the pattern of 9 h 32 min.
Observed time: 12 h 15 min
